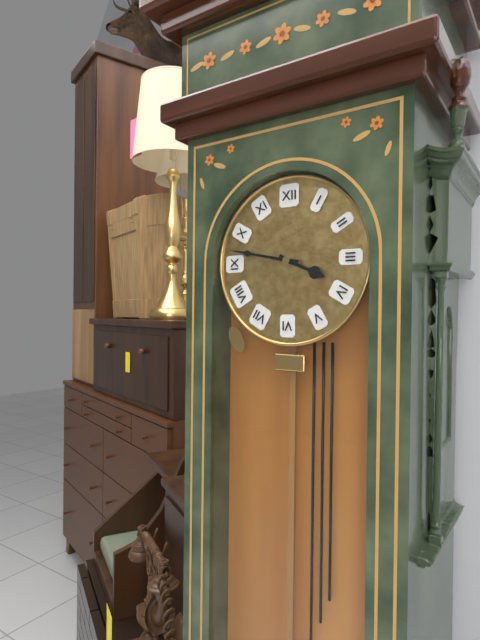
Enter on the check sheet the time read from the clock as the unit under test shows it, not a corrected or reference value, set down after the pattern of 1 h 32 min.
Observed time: 3 h 47 min
